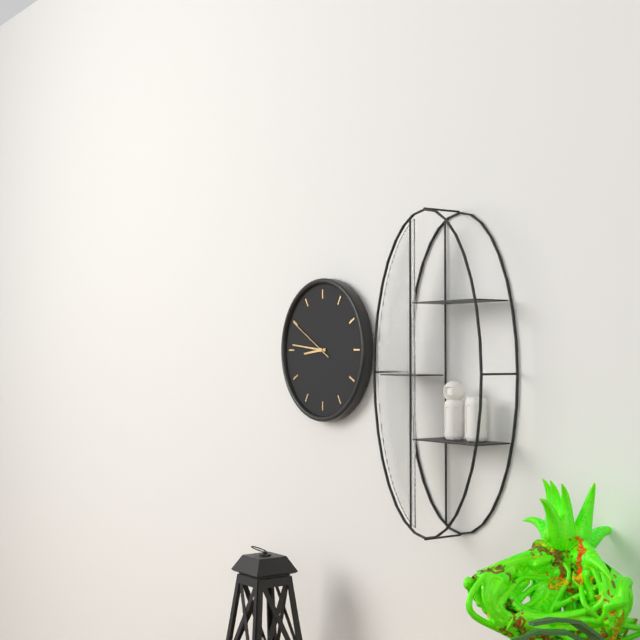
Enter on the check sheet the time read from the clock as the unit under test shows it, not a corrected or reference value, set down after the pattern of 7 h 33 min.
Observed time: 8 h 46 min
